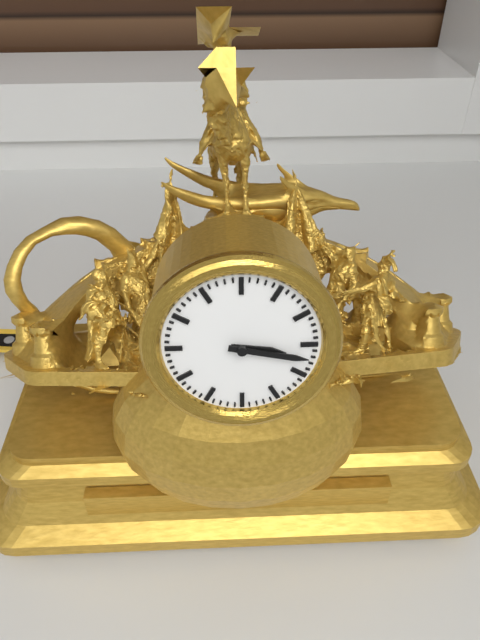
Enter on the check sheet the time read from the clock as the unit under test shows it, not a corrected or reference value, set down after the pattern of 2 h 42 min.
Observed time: 3 h 17 min
